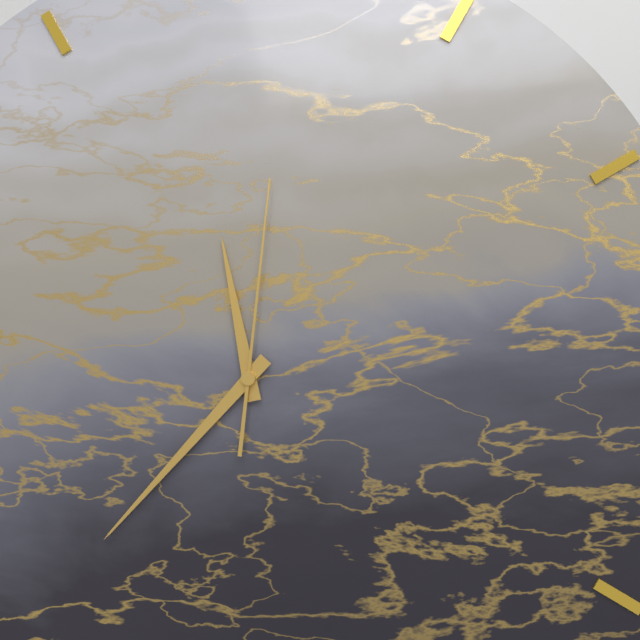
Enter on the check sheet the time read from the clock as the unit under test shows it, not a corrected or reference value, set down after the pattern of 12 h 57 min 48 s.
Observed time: 11 h 37 min 01 s
